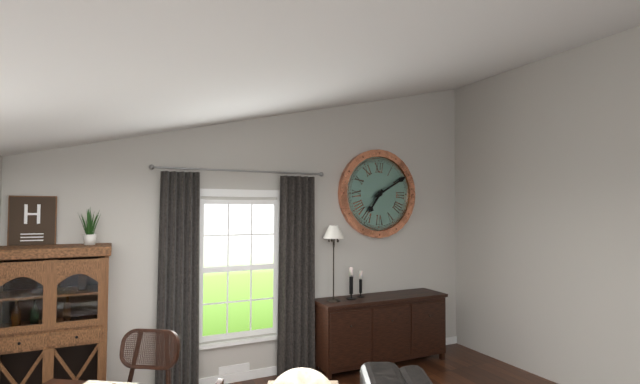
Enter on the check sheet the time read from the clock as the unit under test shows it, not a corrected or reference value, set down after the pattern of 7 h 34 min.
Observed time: 7 h 10 min
